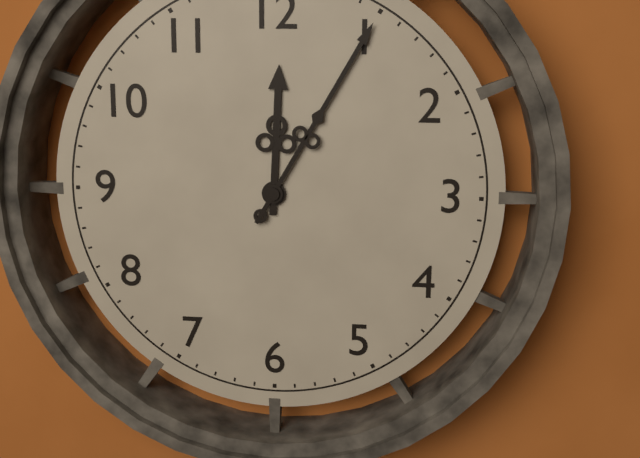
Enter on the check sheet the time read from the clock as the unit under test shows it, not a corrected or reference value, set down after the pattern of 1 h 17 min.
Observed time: 12 h 05 min
